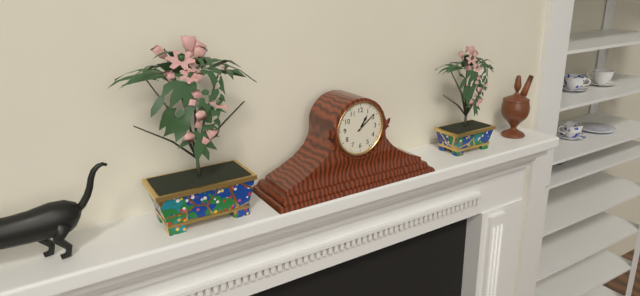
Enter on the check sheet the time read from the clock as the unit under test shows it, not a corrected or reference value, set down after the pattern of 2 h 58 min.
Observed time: 1 h 09 min
